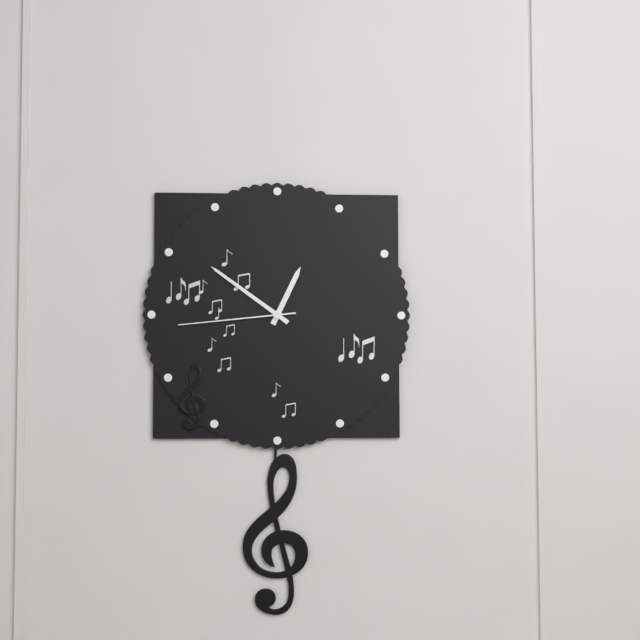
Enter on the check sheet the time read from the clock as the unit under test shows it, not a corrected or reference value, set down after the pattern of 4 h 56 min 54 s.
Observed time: 12 h 51 min 44 s
